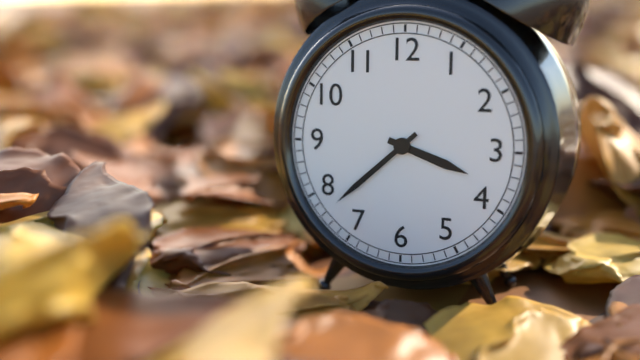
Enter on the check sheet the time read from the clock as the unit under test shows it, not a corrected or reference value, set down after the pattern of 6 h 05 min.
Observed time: 3 h 38 min
